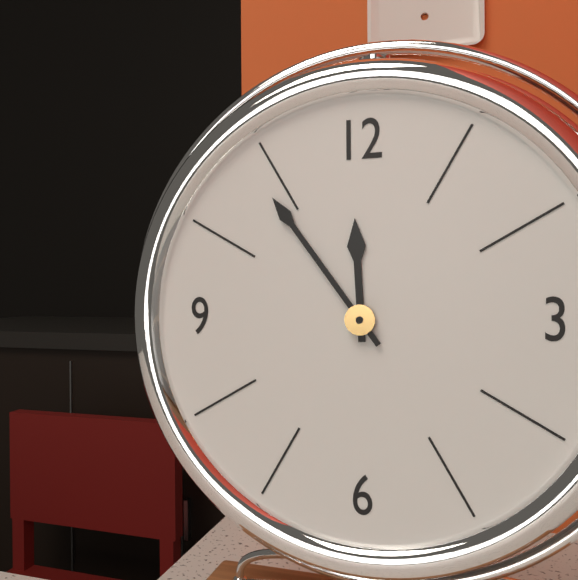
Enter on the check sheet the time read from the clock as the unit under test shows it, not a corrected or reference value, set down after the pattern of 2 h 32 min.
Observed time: 11 h 54 min
